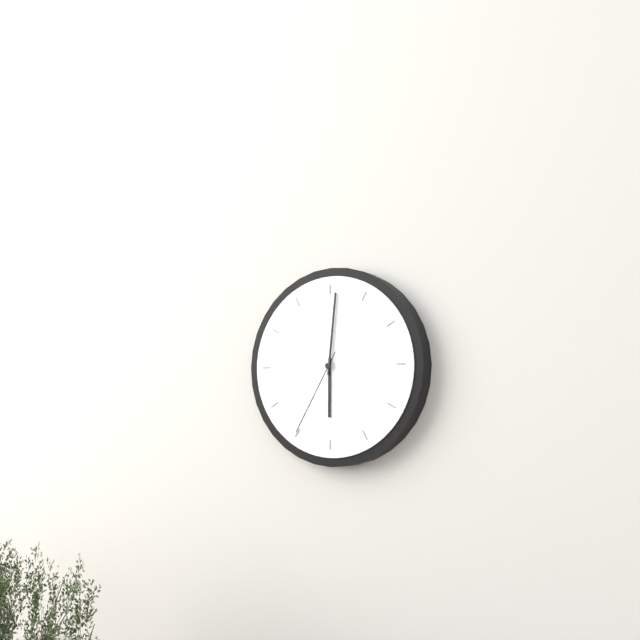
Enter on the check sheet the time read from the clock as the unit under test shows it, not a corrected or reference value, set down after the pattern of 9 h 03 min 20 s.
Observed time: 6 h 01 min 35 s
